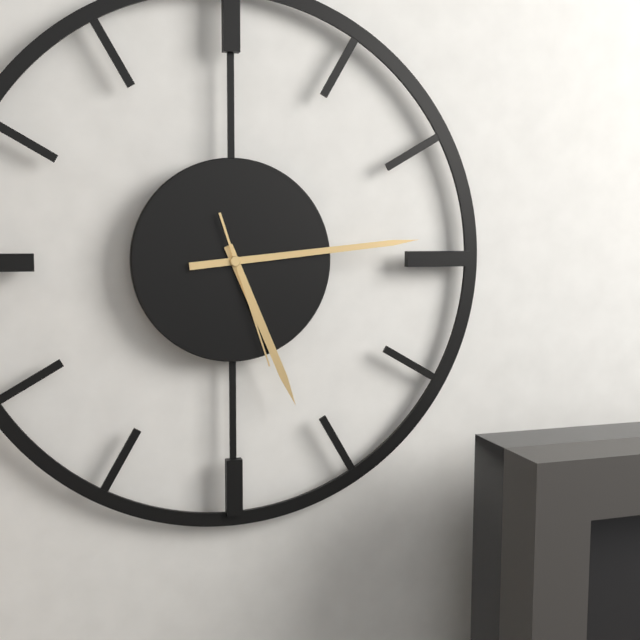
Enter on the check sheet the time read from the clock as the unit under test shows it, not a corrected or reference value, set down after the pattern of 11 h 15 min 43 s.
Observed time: 5 h 14 min 27 s
